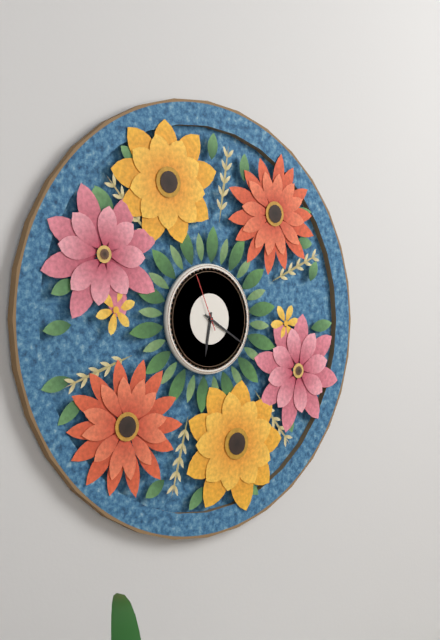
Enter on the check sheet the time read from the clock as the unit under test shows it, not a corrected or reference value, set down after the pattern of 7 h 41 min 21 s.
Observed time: 6 h 20 min 56 s
